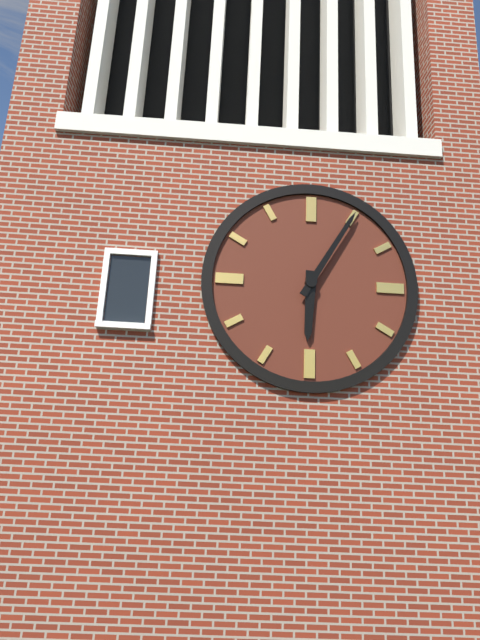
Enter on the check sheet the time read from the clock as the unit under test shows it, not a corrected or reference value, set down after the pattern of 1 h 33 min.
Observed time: 6 h 05 min
